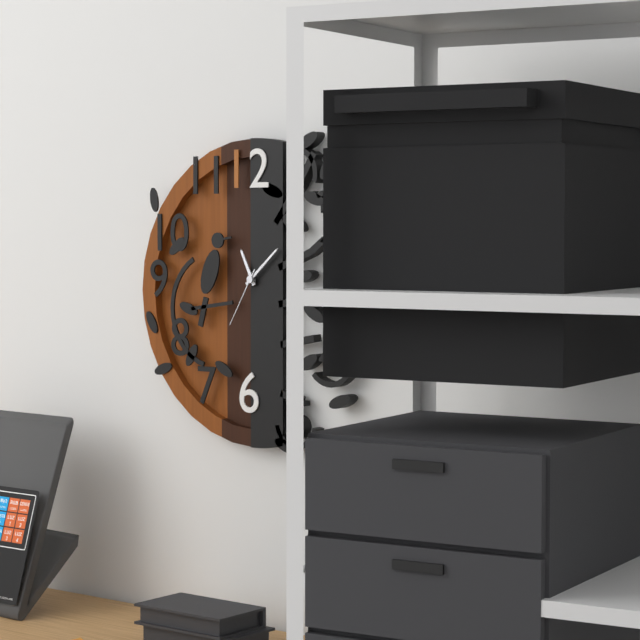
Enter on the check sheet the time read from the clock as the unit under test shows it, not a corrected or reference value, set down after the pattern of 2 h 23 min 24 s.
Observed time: 11 h 08 min 35 s
